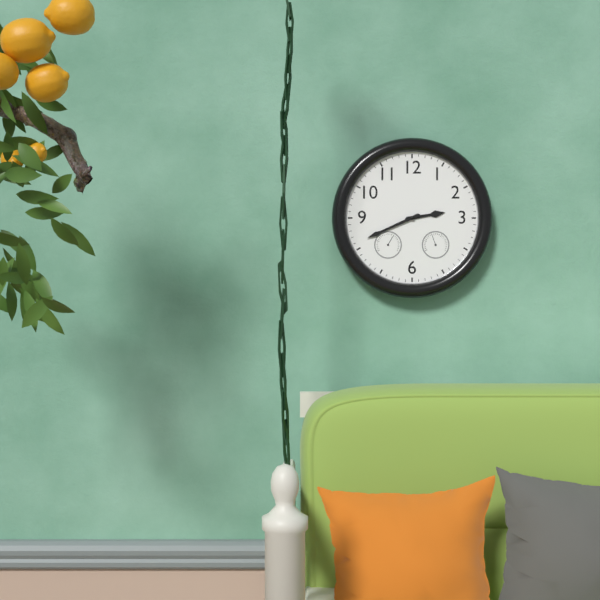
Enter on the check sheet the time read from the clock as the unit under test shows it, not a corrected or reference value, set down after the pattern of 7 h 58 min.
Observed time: 2 h 41 min
